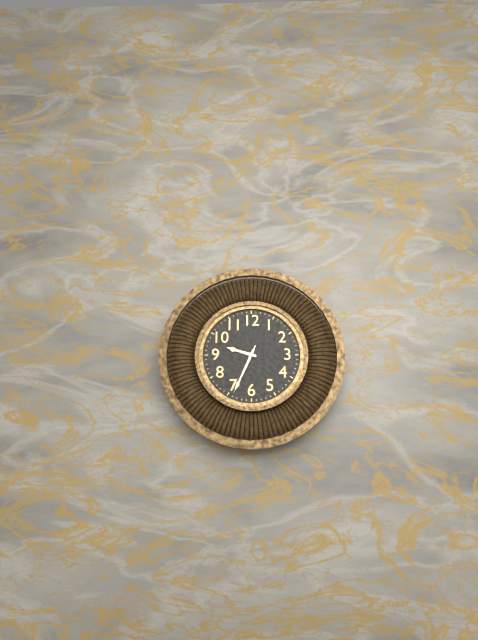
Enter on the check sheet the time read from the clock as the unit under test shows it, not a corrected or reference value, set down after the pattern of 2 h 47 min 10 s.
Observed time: 9 h 34 min 34 s
